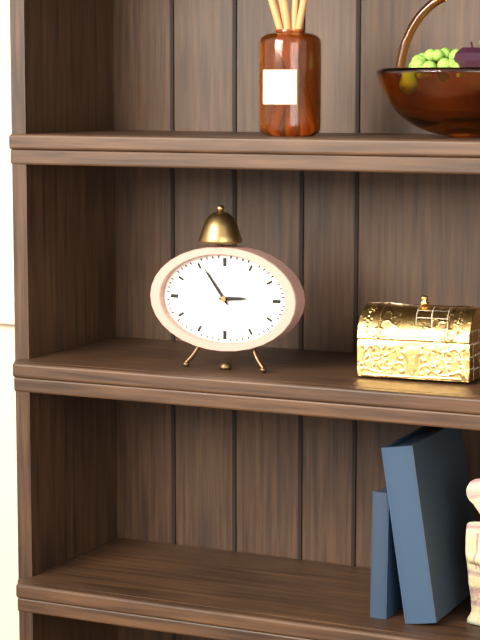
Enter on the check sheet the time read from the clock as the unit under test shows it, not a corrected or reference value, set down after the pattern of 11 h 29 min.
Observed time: 2 h 54 min
